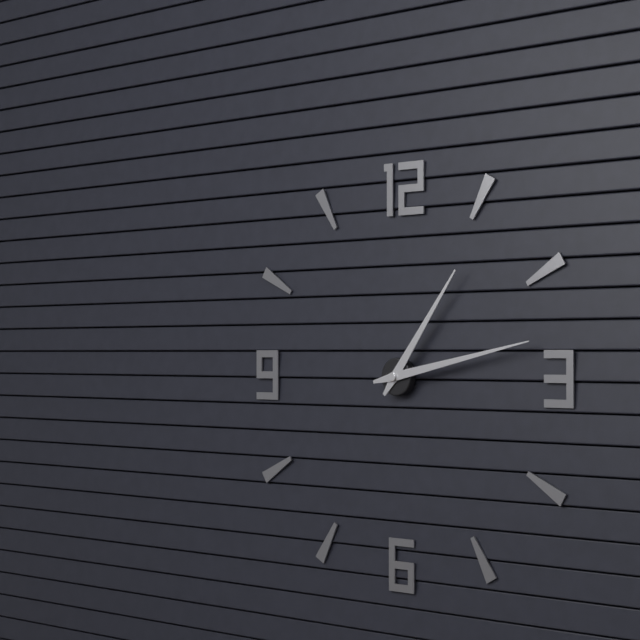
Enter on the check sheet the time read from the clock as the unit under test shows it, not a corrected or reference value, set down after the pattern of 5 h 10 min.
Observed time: 1 h 13 min
